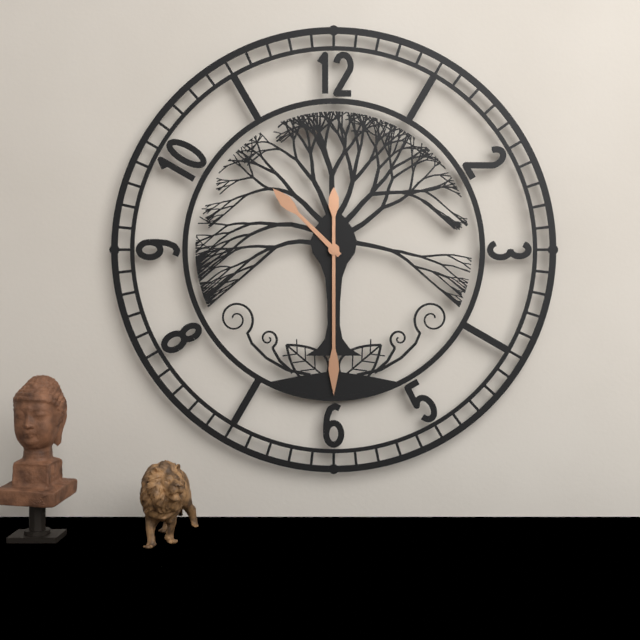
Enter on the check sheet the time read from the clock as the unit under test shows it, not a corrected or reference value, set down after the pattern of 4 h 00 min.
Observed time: 10 h 30 min
